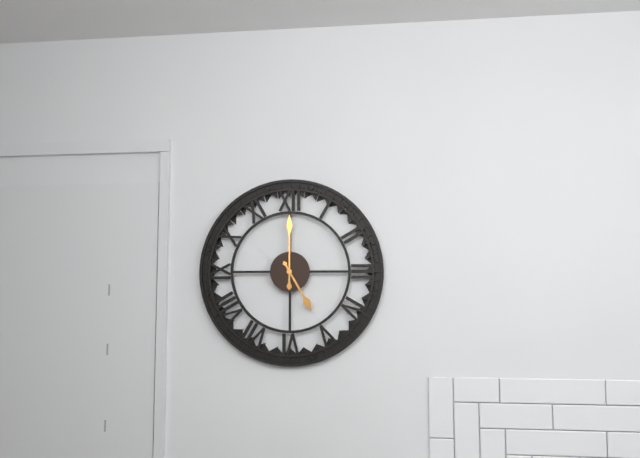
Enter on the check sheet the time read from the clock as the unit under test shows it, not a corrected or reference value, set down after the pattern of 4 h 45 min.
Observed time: 5 h 00 min
